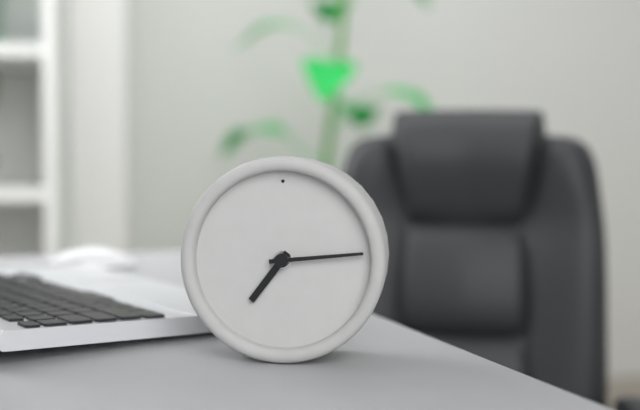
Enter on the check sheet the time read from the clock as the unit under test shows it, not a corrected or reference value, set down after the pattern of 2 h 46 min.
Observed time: 7 h 14 min
